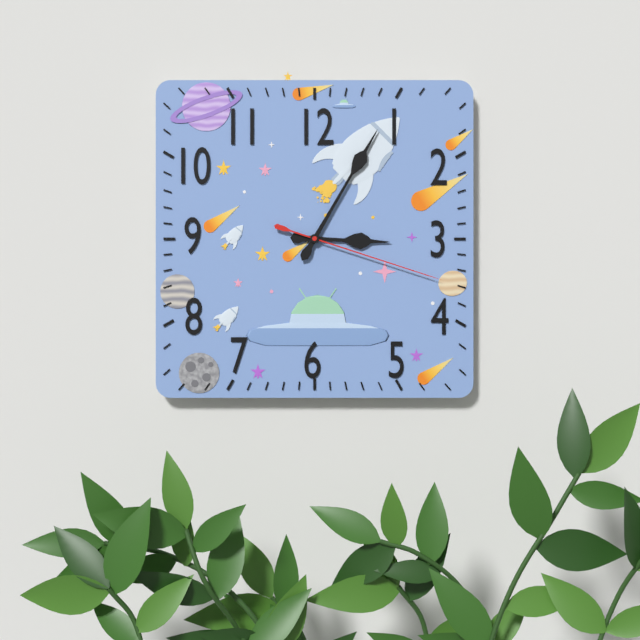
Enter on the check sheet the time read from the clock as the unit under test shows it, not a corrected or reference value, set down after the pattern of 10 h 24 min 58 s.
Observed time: 3 h 05 min 18 s
